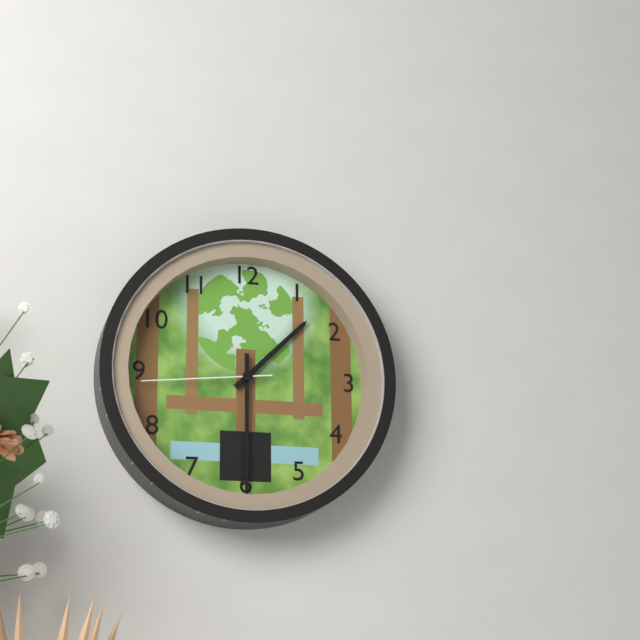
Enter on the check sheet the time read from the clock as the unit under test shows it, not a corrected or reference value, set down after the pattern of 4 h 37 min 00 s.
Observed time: 1 h 30 min 44 s
